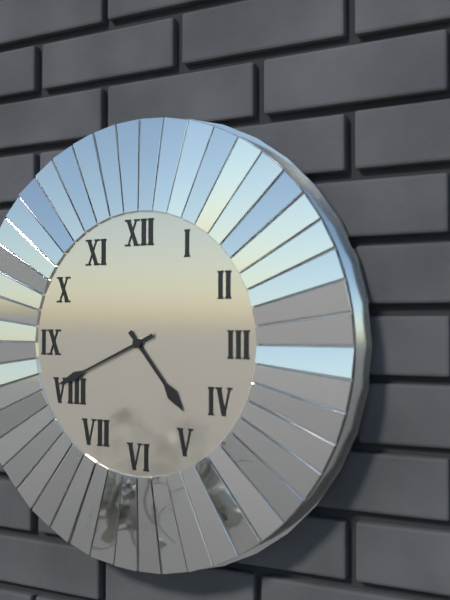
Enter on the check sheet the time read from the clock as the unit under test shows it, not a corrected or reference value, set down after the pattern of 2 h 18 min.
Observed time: 4 h 41 min
